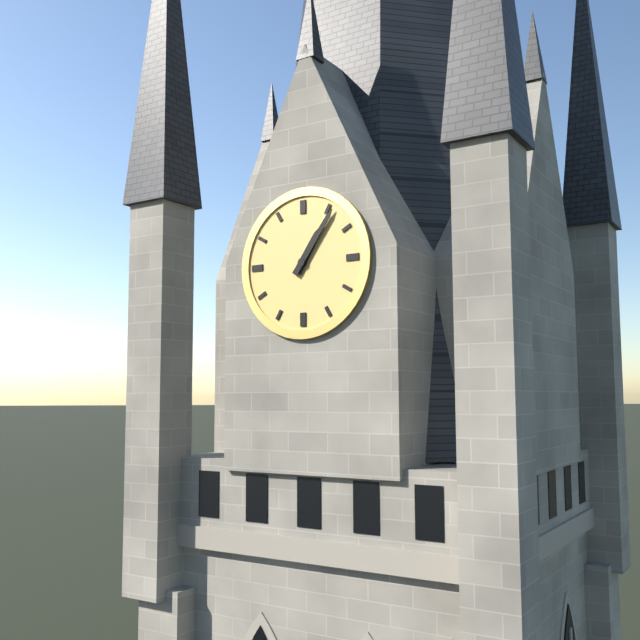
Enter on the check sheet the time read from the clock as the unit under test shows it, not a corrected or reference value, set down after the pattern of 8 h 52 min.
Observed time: 1 h 06 min
